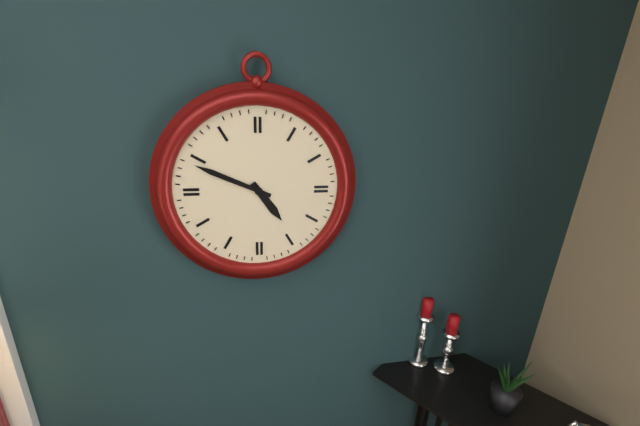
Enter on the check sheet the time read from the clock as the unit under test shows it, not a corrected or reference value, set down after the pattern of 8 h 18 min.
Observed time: 4 h 49 min
